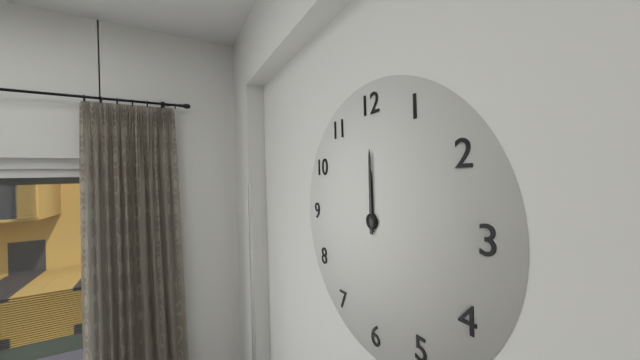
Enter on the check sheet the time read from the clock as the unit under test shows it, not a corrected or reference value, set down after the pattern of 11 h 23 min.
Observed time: 12 h 00 min
